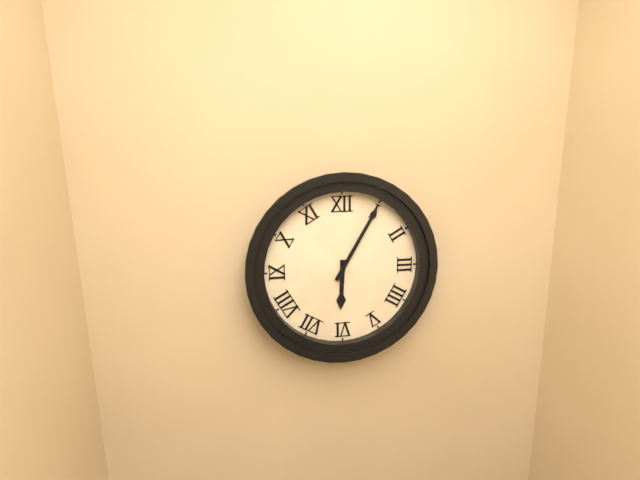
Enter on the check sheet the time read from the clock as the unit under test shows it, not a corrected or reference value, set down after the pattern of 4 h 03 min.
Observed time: 6 h 05 min
